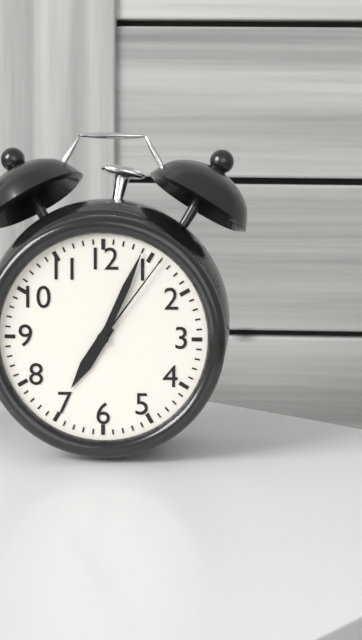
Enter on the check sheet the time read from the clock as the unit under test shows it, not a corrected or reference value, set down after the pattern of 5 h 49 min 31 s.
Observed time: 7 h 04 min 06 s
